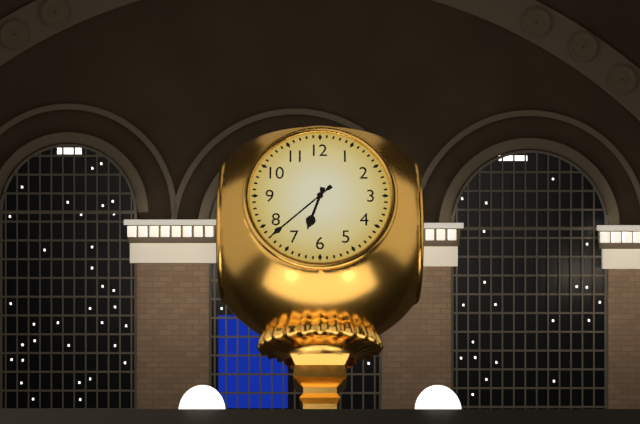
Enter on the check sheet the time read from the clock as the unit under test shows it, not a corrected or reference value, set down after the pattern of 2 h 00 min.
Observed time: 6 h 38 min
